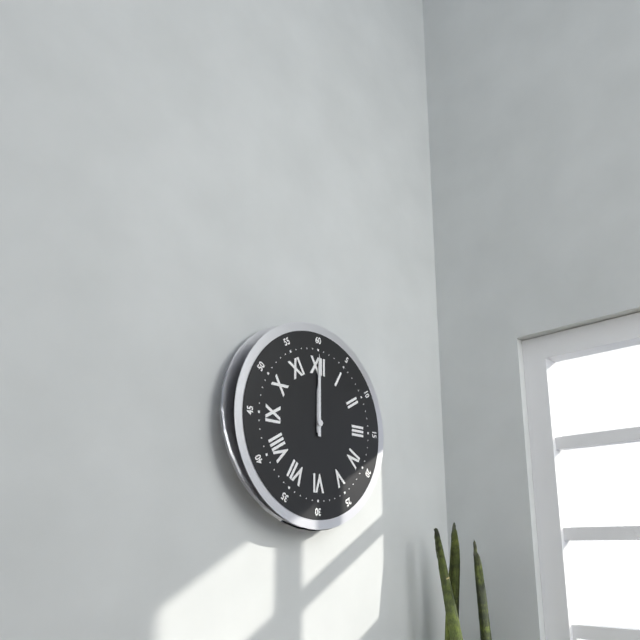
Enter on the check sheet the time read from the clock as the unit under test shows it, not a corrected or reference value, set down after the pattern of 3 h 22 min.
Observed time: 12 h 00 min
